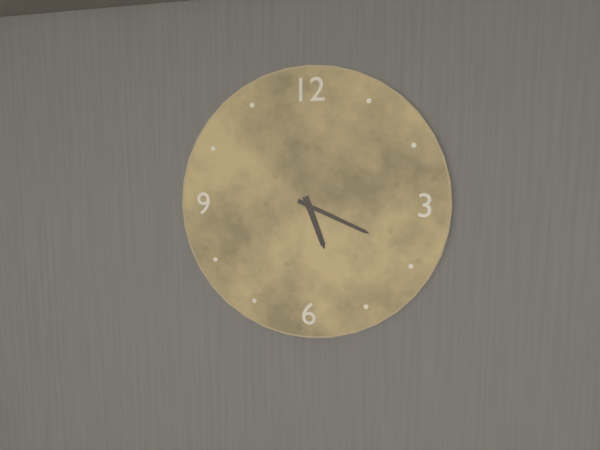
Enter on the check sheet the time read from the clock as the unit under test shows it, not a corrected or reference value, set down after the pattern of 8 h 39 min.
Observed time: 5 h 19 min
